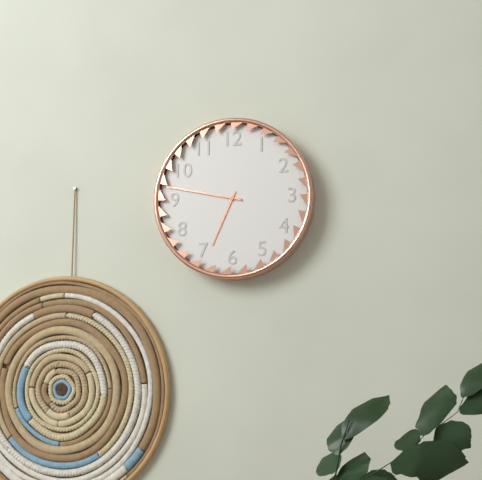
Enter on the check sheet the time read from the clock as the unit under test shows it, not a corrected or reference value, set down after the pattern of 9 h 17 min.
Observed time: 6 h 47 min
